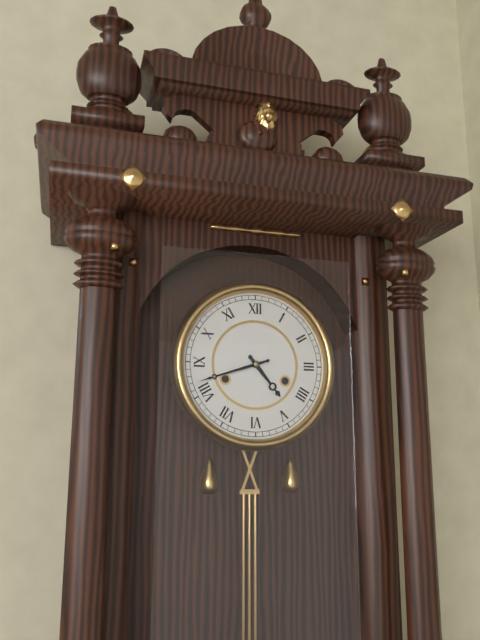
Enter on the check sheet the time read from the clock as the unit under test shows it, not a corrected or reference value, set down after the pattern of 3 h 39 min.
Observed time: 4 h 42 min
